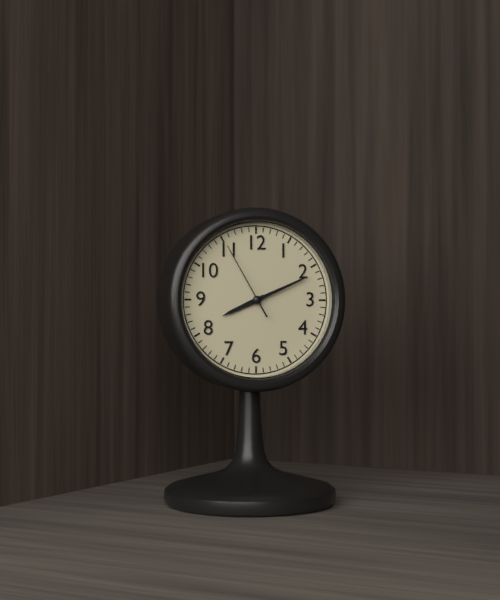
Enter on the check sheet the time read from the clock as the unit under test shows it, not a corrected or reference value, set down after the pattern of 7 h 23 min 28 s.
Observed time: 8 h 11 min 55 s
